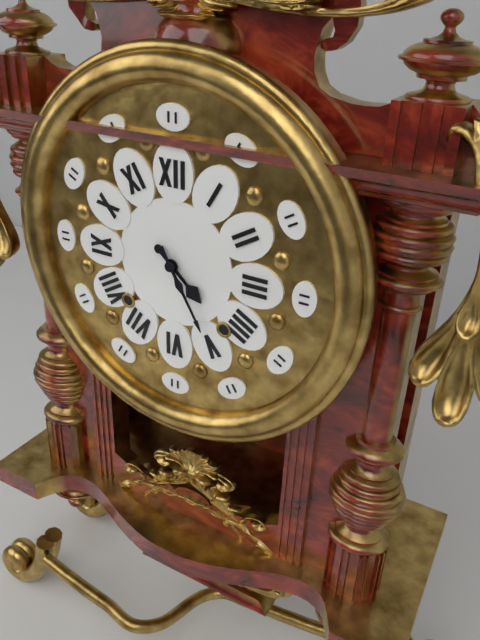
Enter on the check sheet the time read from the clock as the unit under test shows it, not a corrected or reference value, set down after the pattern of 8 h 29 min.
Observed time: 4 h 25 min
